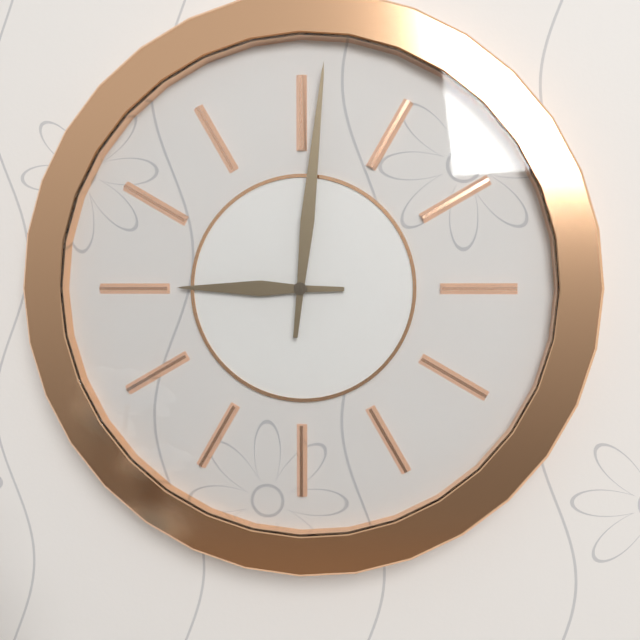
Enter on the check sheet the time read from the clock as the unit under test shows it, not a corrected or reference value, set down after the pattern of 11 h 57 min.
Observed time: 9 h 01 min
